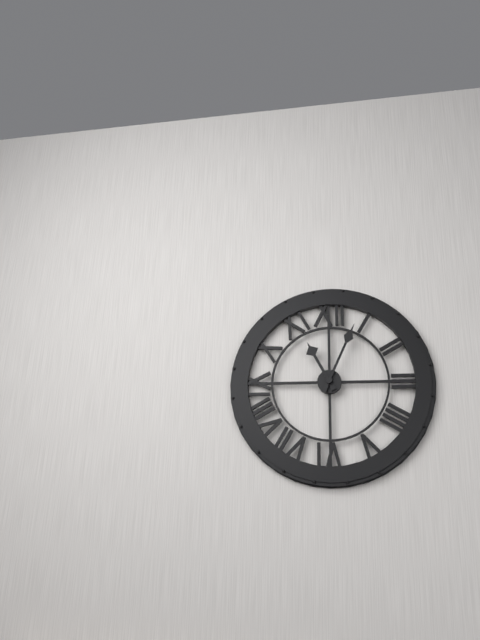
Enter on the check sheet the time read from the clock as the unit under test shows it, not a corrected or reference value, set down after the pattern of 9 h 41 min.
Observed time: 11 h 04 min
